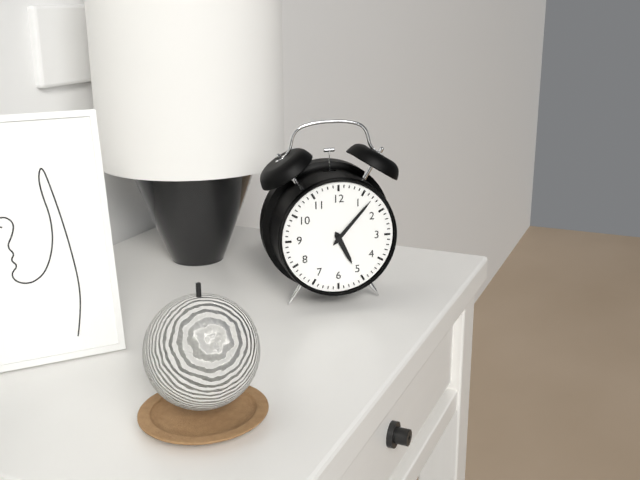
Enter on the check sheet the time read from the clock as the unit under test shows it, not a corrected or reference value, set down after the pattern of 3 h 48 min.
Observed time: 5 h 07 min
